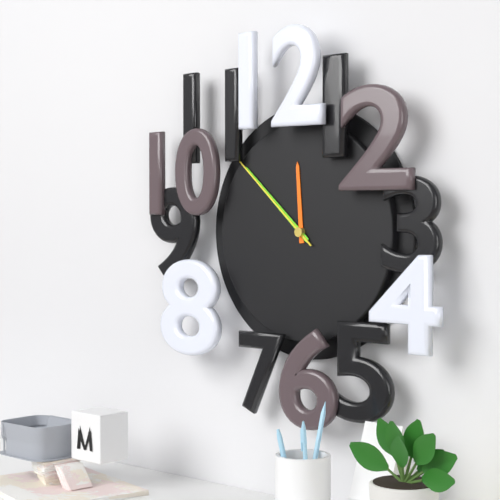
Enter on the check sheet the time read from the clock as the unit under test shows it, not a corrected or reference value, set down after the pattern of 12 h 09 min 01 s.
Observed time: 11 h 52 min 52 s
